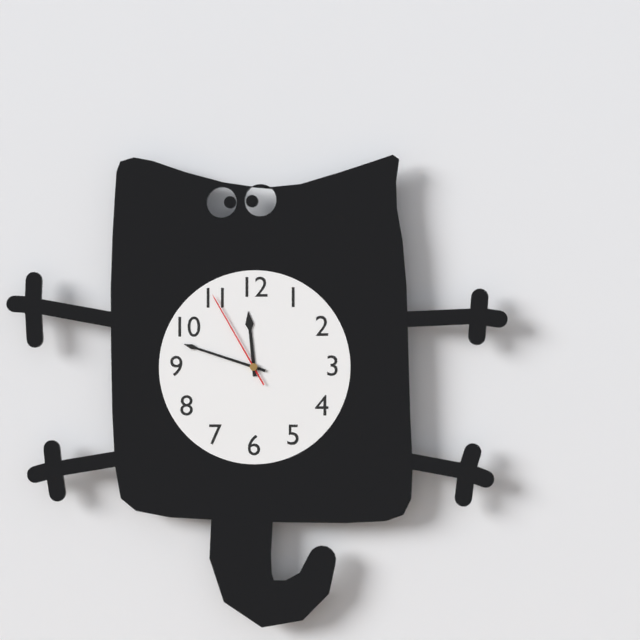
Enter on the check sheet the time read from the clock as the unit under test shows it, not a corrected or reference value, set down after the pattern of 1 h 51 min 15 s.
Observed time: 11 h 48 min 55 s
